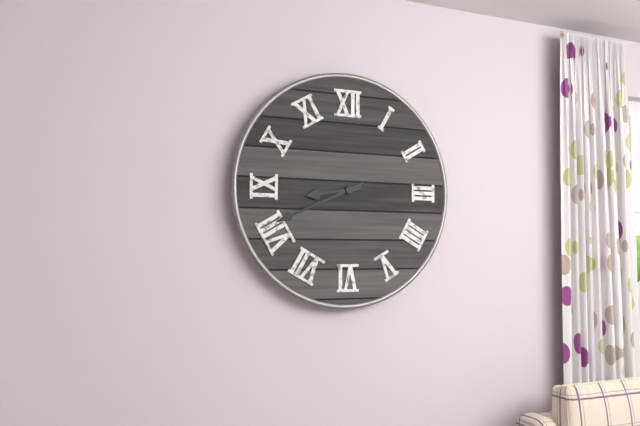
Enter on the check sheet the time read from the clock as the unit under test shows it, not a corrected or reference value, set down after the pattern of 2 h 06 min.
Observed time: 8 h 41 min
